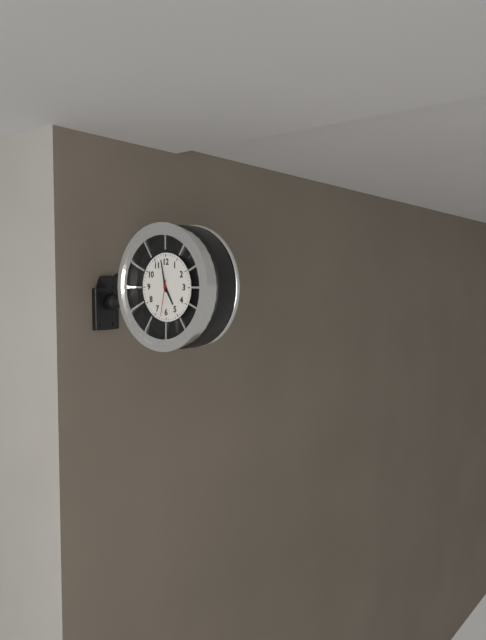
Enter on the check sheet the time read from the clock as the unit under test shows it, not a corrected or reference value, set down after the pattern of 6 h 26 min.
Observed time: 4 h 58 min
